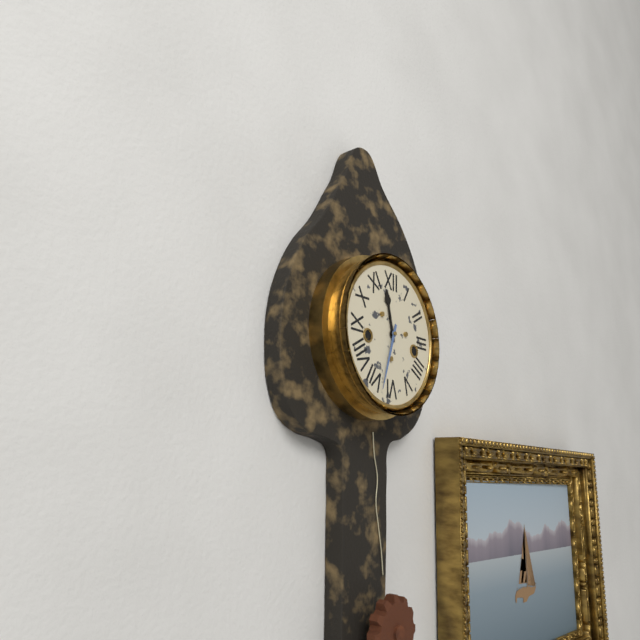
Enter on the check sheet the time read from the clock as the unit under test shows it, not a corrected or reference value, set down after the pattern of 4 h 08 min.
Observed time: 11 h 33 min
